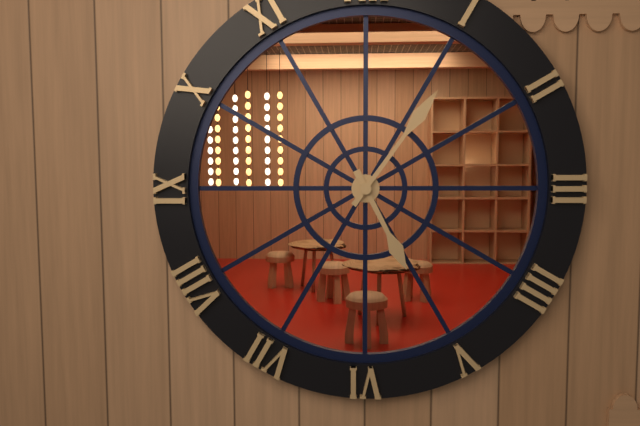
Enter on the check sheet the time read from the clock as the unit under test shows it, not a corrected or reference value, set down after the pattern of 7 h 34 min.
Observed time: 5 h 06 min
